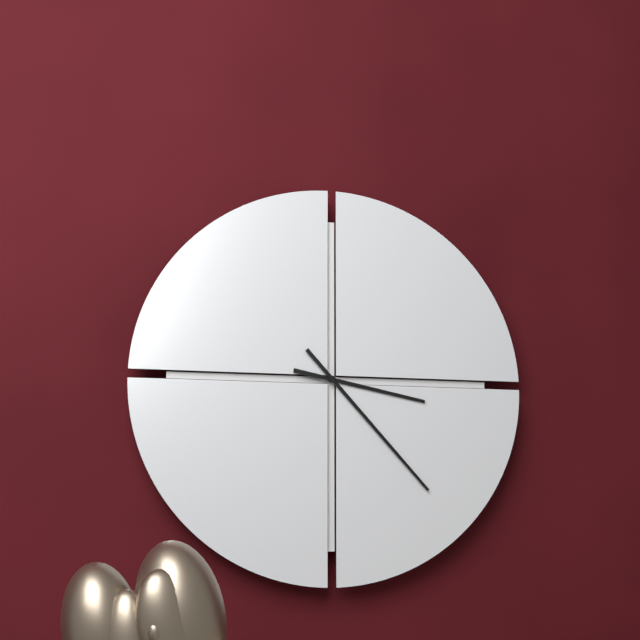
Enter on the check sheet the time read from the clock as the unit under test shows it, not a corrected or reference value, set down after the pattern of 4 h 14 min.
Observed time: 3 h 23 min
